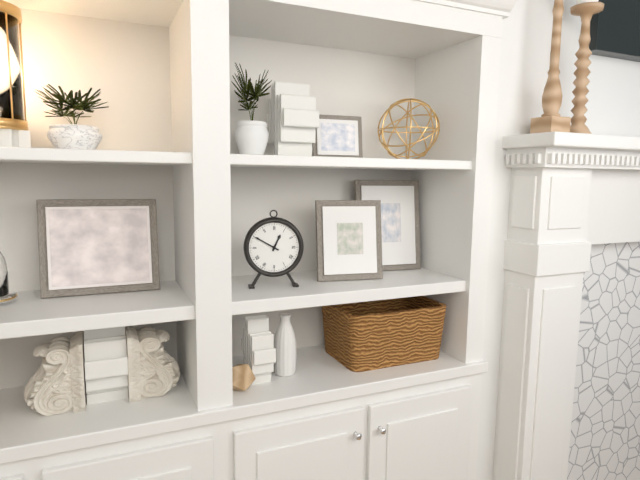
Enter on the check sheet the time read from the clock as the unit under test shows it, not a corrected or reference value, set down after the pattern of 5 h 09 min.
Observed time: 12 h 50 min
